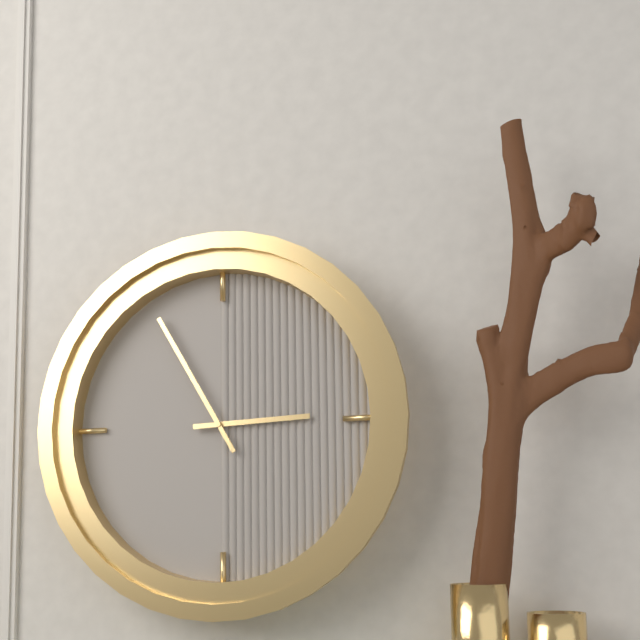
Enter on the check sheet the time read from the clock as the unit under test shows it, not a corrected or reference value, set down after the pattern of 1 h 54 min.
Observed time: 2 h 55 min
